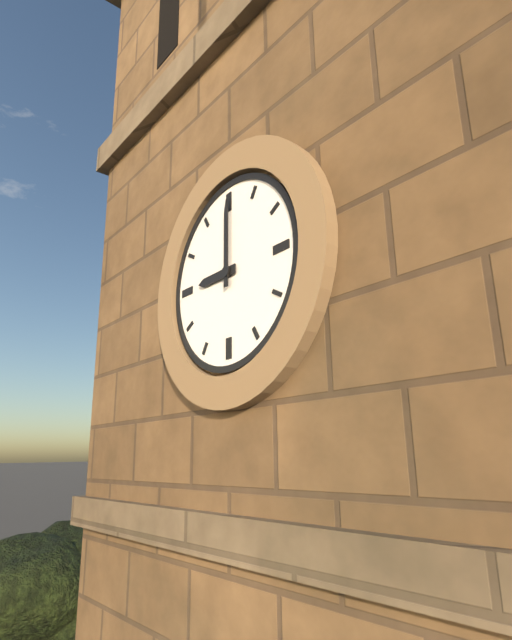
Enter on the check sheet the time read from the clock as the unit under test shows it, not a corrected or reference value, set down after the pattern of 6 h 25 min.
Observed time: 9 h 00 min
